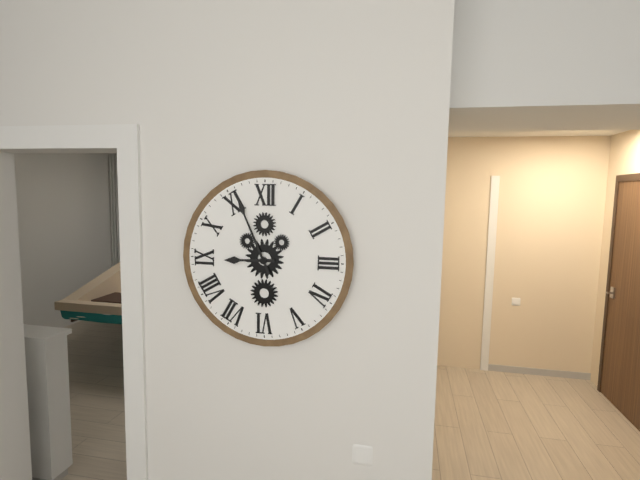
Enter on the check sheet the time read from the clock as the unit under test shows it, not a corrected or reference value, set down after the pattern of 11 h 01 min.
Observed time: 8 h 56 min
